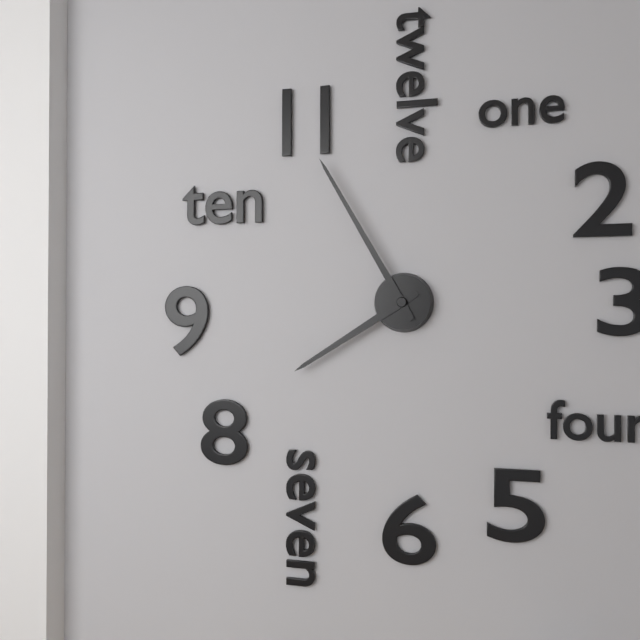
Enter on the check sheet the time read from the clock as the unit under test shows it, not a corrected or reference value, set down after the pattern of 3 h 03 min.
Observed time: 7 h 55 min
